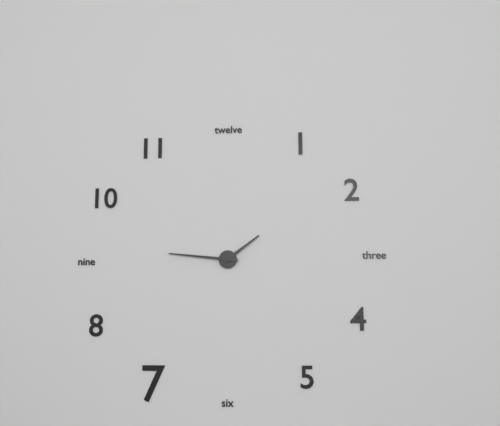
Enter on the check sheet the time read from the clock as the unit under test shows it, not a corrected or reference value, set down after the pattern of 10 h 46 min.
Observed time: 1 h 46 min
